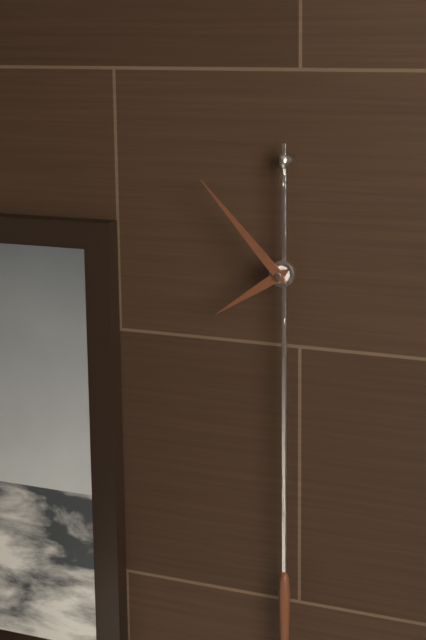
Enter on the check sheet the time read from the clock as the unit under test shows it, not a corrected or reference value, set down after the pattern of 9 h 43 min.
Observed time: 7 h 53 min
